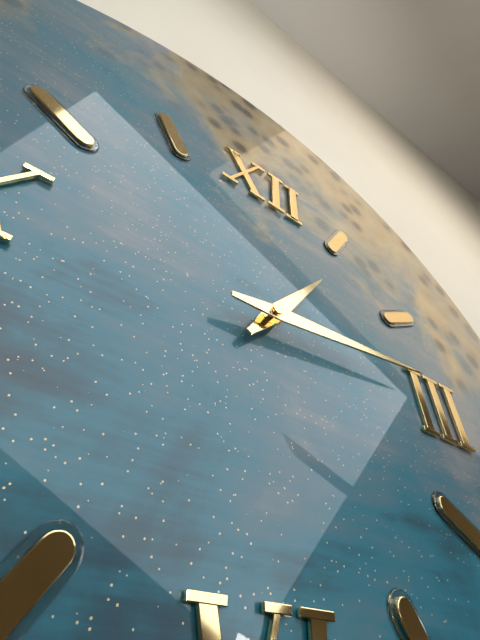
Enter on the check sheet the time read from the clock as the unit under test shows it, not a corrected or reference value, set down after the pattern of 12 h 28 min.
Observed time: 1 h 14 min
